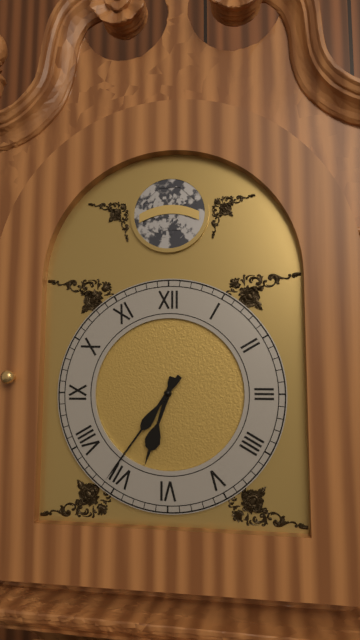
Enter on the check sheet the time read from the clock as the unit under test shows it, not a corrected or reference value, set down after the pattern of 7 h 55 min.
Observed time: 6 h 36 min
